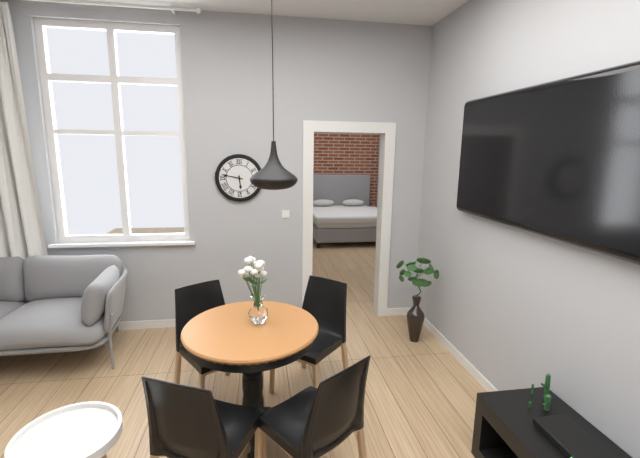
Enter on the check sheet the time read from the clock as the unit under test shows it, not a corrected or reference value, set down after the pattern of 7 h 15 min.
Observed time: 5 h 47 min
